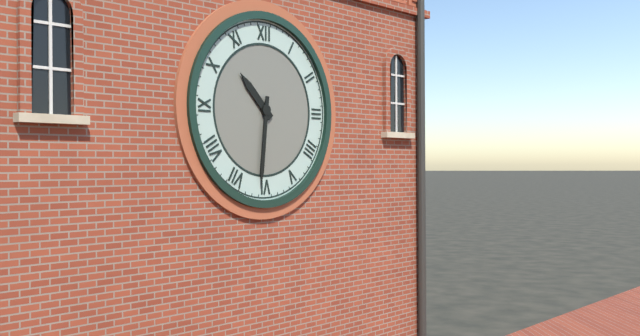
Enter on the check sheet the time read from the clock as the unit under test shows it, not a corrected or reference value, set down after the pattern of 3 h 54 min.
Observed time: 10 h 31 min
